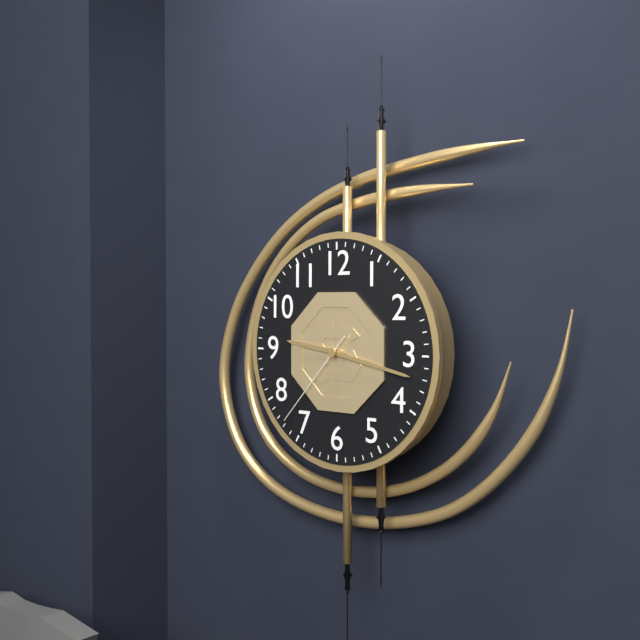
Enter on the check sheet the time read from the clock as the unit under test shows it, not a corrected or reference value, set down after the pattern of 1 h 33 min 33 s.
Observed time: 9 h 17 min 37 s
